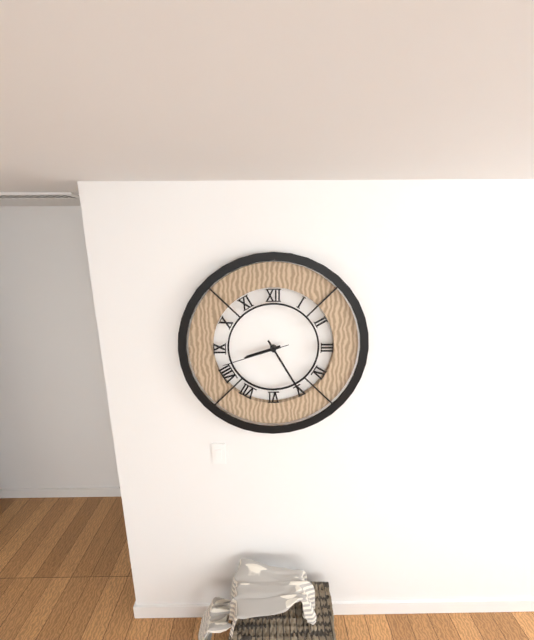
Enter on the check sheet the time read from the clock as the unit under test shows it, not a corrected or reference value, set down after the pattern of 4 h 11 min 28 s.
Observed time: 8 h 25 min 42 s
